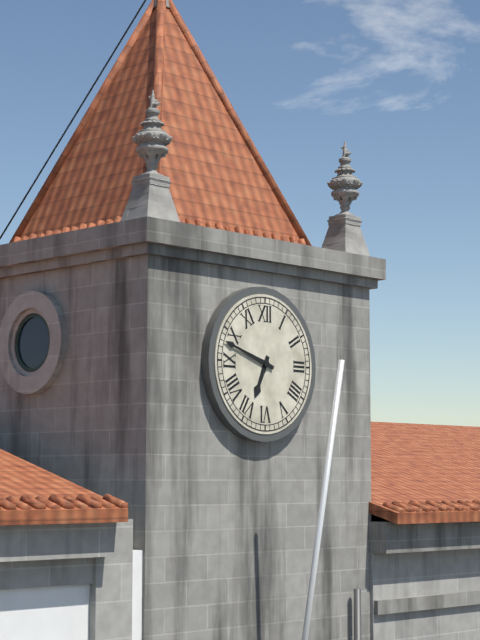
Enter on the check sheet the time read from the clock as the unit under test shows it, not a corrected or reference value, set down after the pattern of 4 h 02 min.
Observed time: 6 h 48 min
